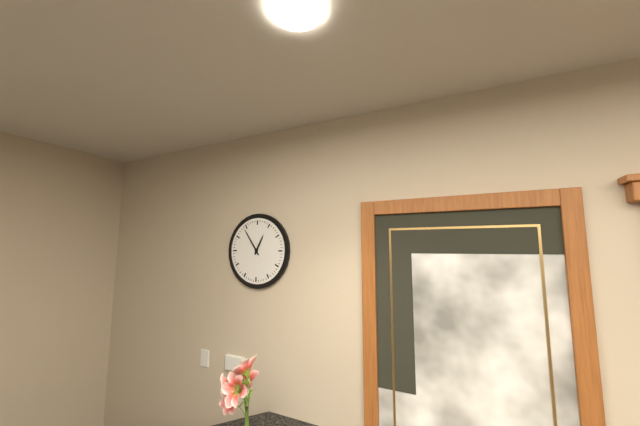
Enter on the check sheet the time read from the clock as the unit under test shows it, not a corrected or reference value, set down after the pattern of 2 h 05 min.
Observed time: 12 h 54 min
